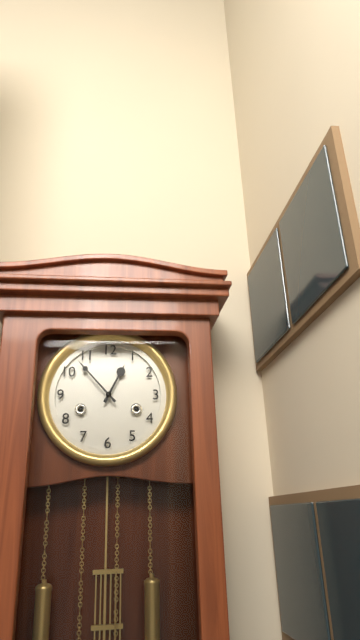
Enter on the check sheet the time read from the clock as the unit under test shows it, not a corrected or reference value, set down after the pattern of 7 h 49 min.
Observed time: 12 h 53 min
